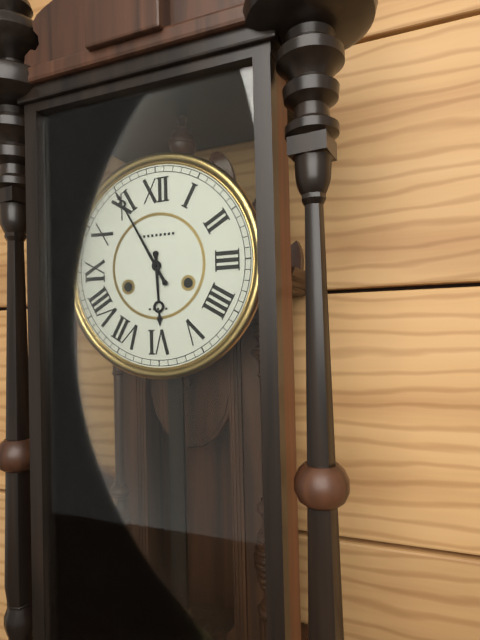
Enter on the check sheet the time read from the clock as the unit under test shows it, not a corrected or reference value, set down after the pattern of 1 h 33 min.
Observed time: 5 h 55 min
